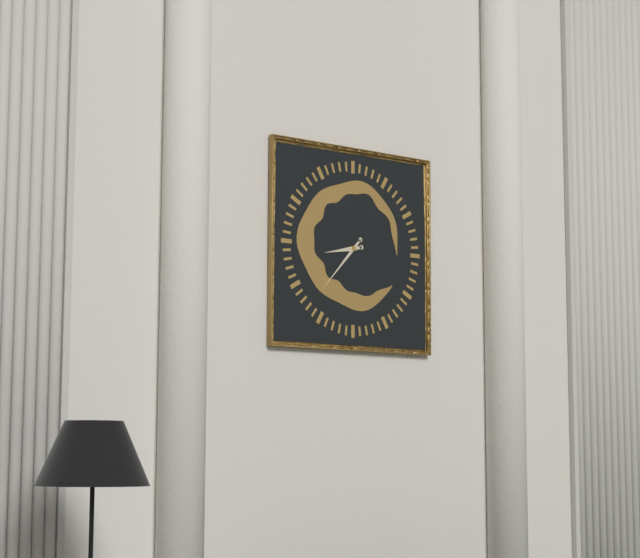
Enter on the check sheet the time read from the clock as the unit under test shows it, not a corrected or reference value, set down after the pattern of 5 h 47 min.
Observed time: 8 h 37 min
